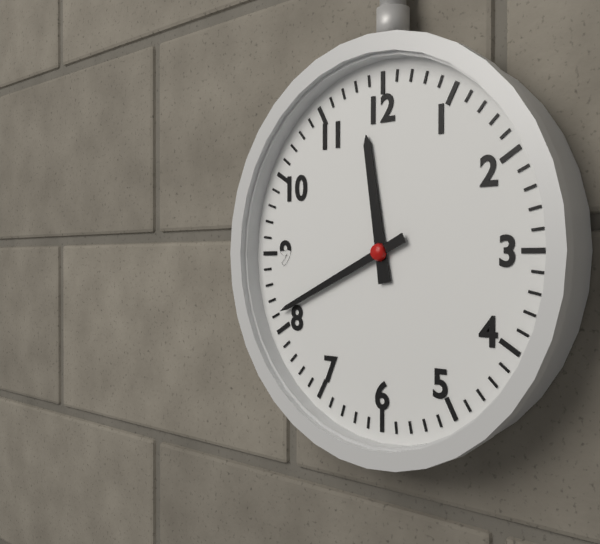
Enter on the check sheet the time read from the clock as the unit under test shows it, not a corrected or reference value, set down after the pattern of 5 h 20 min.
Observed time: 11 h 41 min
